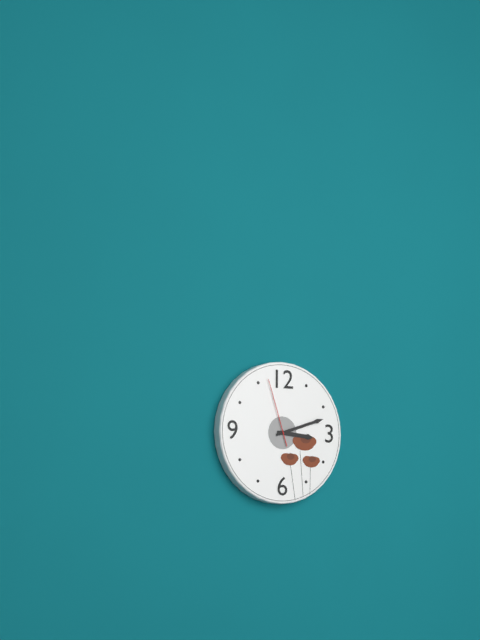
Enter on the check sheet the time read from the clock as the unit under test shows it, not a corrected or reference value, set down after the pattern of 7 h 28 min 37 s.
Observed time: 3 h 12 min 57 s
